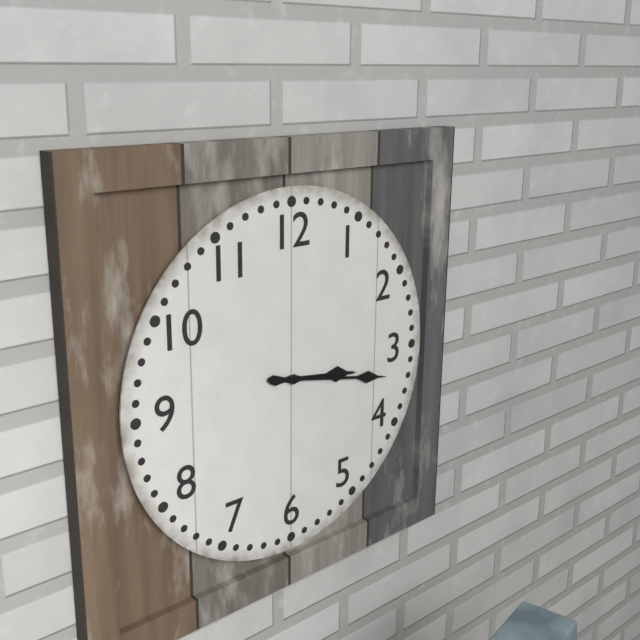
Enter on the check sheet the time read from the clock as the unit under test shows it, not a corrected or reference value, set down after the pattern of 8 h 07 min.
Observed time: 3 h 17 min
